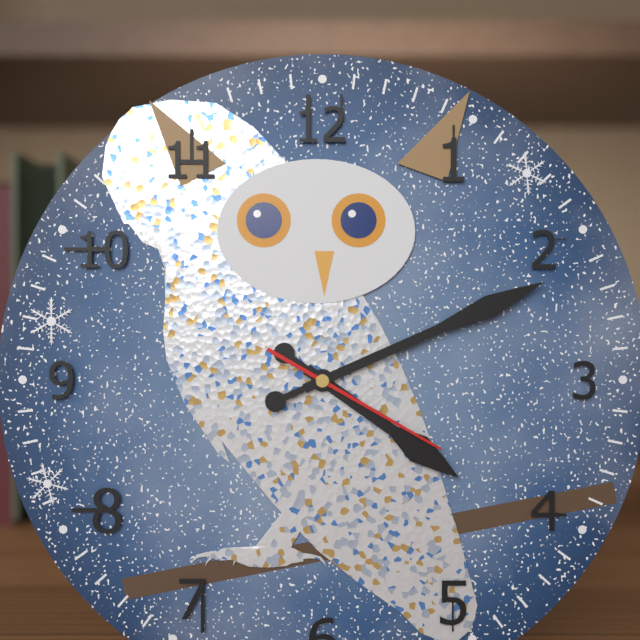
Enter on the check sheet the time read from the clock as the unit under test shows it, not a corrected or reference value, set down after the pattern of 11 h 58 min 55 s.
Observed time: 4 h 11 min 20 s
